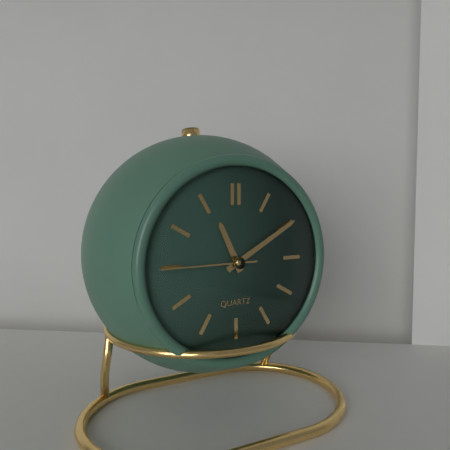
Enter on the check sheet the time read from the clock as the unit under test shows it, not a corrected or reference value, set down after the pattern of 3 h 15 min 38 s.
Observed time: 11 h 10 min 45 s
